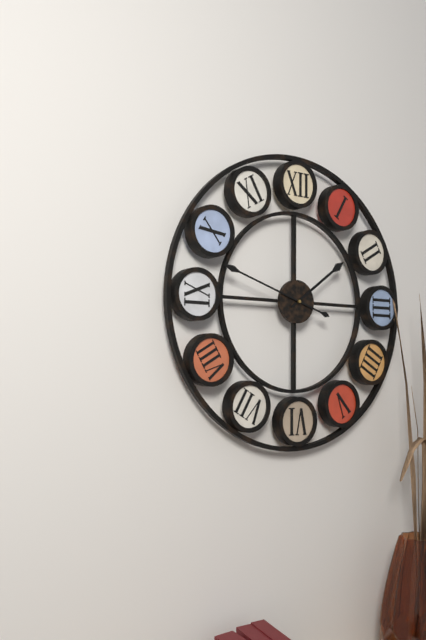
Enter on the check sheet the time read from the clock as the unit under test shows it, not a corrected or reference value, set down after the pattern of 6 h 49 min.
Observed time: 1 h 48 min
